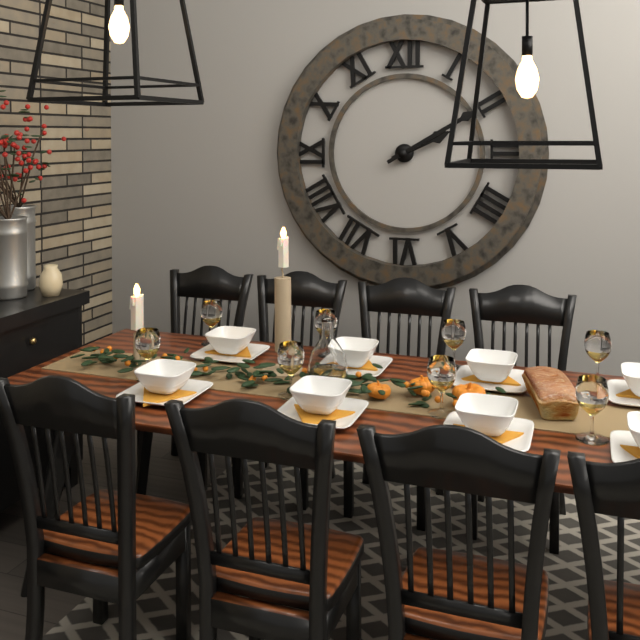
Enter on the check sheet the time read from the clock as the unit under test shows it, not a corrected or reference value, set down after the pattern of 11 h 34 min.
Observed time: 2 h 10 min
